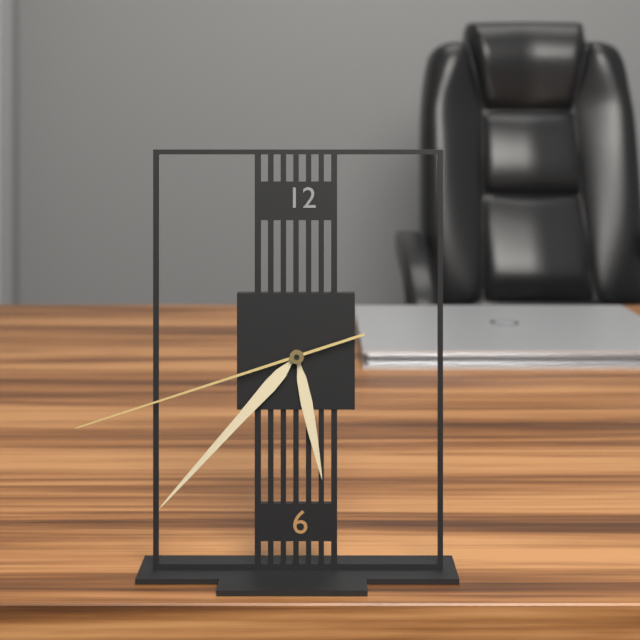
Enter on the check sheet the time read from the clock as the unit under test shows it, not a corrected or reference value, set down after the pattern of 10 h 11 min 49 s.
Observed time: 5 h 37 min 42 s
